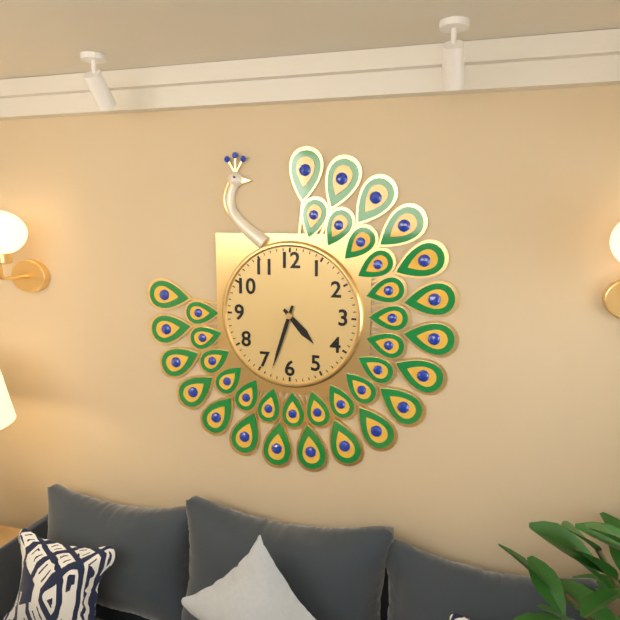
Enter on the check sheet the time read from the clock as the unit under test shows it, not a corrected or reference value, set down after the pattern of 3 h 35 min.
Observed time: 4 h 33 min
